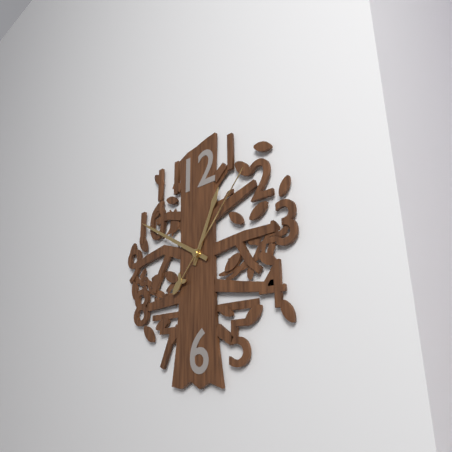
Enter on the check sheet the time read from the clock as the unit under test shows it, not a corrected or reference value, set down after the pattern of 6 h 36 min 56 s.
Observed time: 12 h 50 min 07 s
